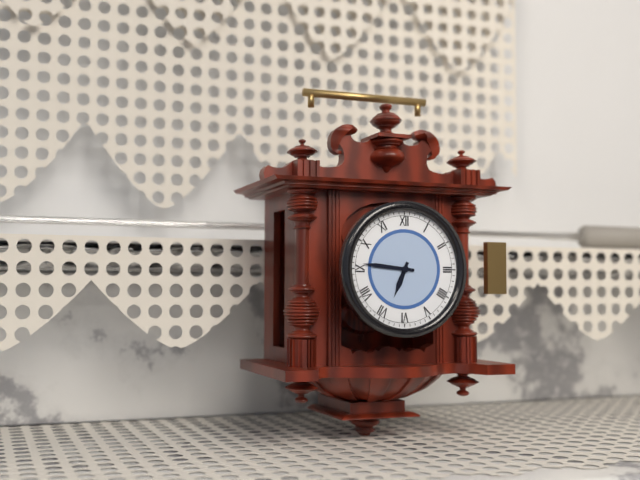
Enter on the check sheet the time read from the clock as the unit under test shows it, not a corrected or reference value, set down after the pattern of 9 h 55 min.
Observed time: 6 h 46 min
